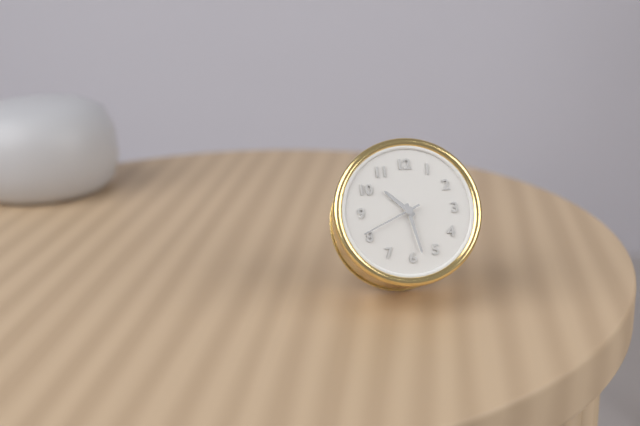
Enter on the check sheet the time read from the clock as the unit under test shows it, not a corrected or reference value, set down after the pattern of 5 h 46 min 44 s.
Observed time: 10 h 28 min 41 s
